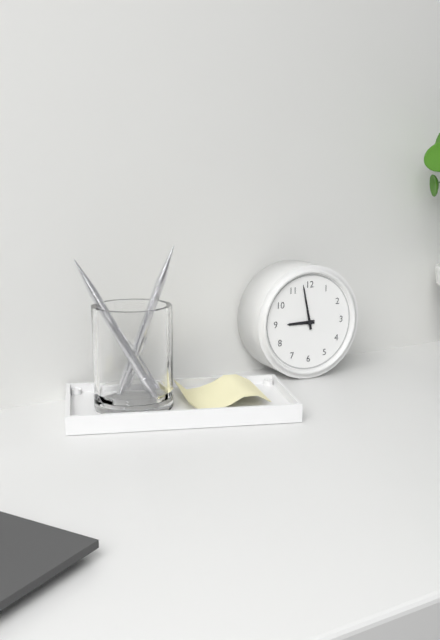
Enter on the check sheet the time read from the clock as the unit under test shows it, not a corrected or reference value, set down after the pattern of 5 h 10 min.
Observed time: 8 h 58 min
